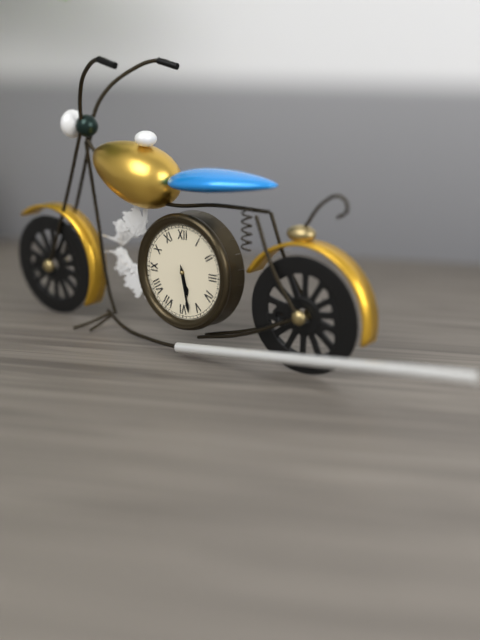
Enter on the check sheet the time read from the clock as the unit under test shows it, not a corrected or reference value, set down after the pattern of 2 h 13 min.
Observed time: 5 h 28 min
